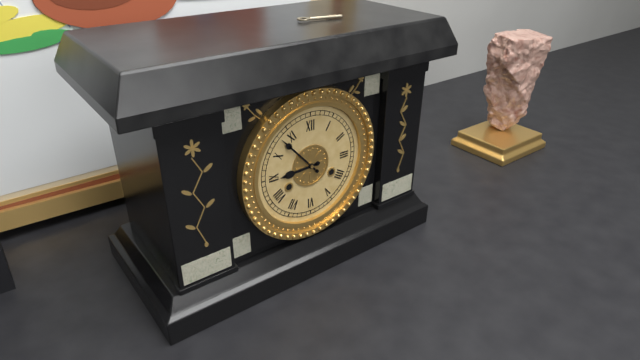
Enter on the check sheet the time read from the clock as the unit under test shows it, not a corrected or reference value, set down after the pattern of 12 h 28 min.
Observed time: 8 h 53 min
